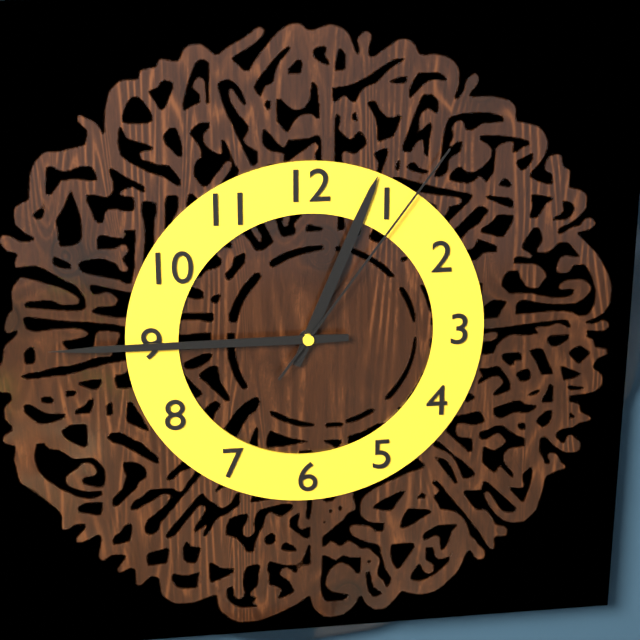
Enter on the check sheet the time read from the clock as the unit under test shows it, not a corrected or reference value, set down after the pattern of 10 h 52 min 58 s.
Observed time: 12 h 45 min 06 s
